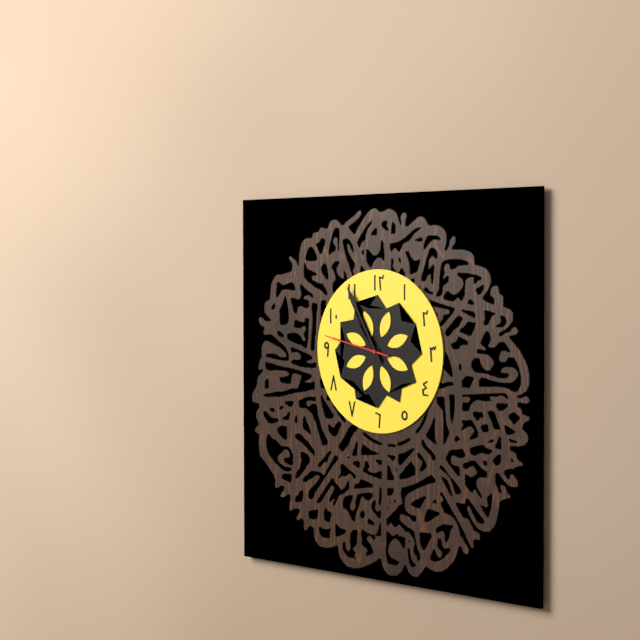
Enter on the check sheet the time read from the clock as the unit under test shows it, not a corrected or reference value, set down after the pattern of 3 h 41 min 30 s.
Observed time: 10 h 55 min 47 s
